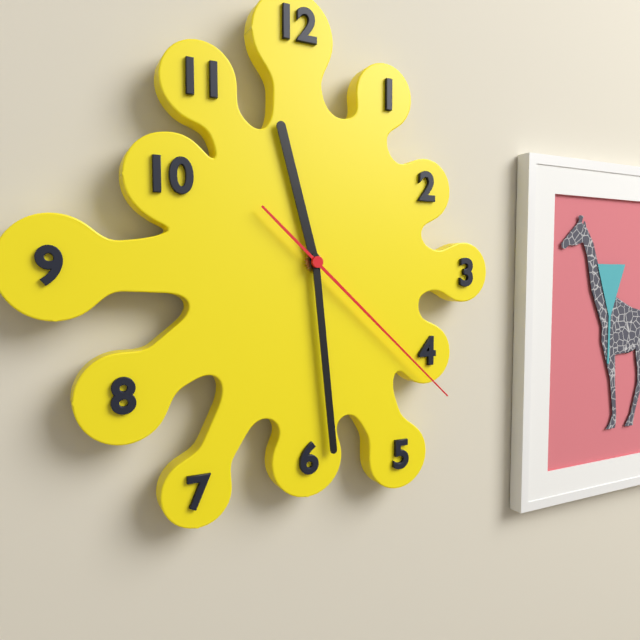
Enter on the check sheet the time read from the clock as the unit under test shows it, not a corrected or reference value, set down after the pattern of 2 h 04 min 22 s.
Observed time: 11 h 29 min 22 s
